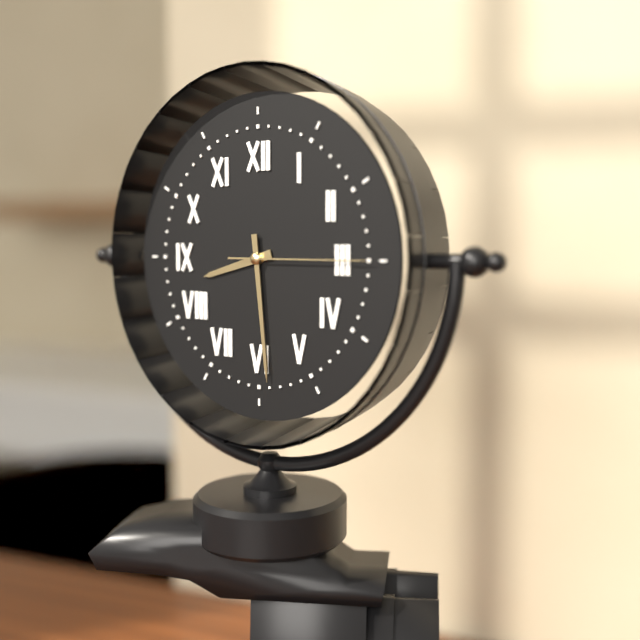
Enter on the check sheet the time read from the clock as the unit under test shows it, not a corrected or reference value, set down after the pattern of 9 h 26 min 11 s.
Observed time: 8 h 29 min 15 s
